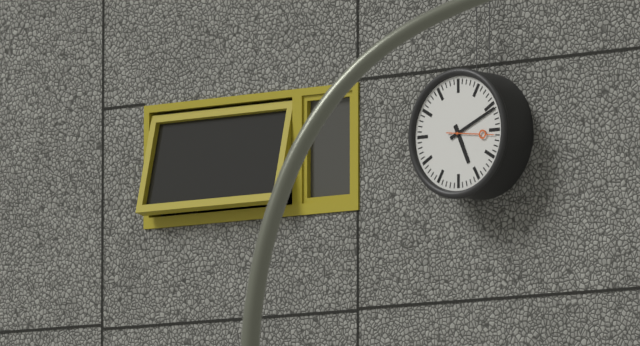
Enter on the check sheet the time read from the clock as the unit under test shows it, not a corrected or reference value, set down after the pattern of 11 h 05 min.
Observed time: 5 h 11 min
